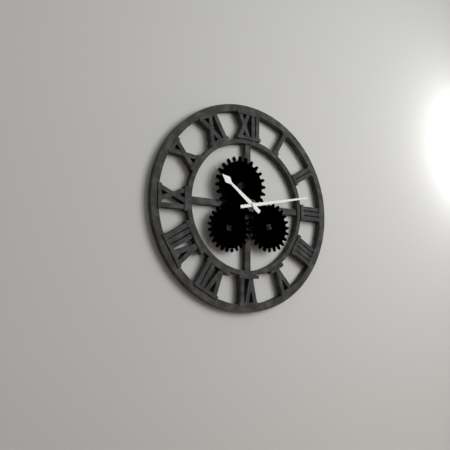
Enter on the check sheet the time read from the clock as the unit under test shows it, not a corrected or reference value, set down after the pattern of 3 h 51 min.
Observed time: 10 h 13 min
